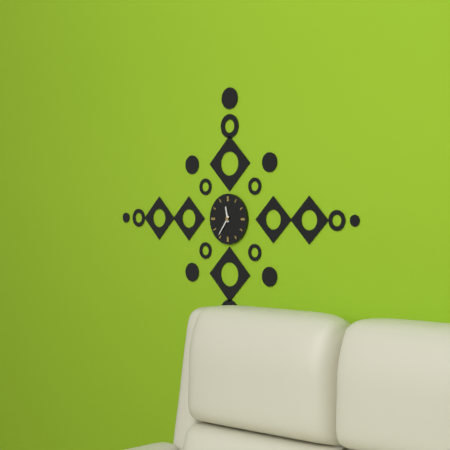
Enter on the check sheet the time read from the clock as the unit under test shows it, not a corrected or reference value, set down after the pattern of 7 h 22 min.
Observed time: 11 h 36 min
